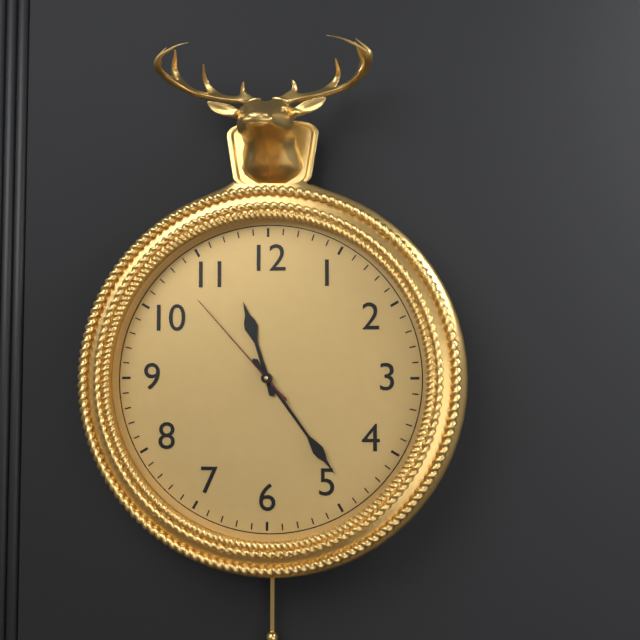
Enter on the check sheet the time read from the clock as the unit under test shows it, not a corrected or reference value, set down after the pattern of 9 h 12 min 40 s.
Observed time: 11 h 24 min 53 s
